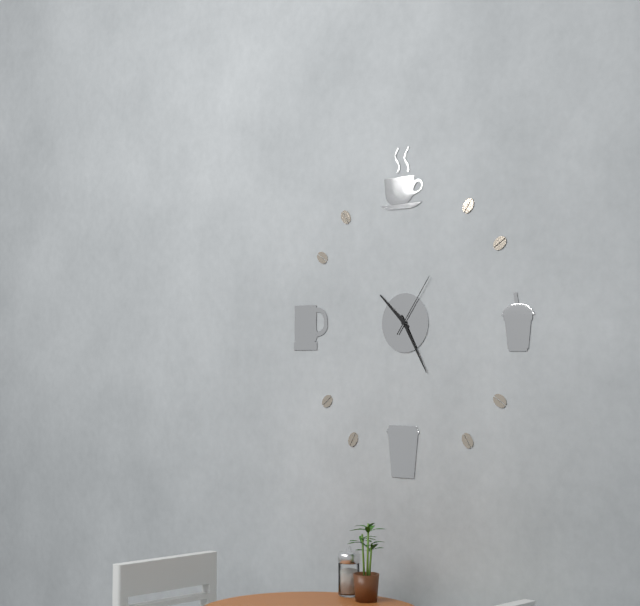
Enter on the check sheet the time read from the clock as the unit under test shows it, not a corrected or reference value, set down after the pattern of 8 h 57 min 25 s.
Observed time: 10 h 25 min 06 s
